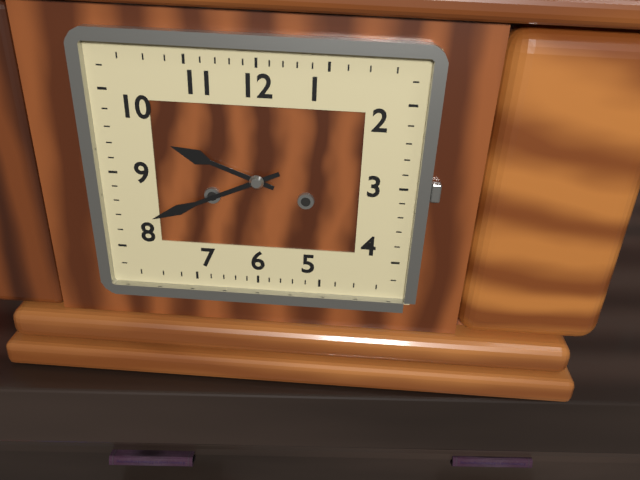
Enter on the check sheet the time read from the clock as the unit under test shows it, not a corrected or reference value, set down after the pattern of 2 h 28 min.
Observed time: 9 h 41 min
